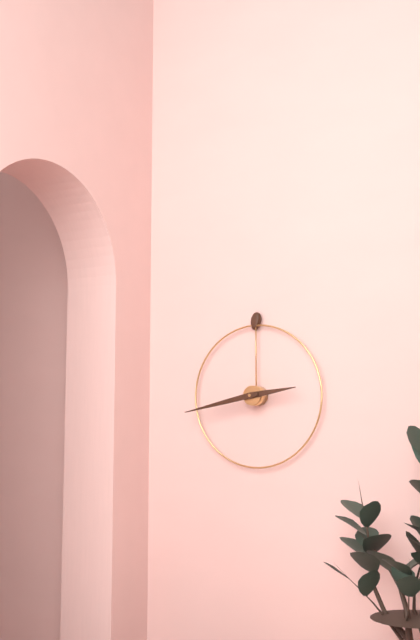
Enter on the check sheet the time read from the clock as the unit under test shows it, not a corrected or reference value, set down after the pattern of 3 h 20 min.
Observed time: 2 h 43 min
